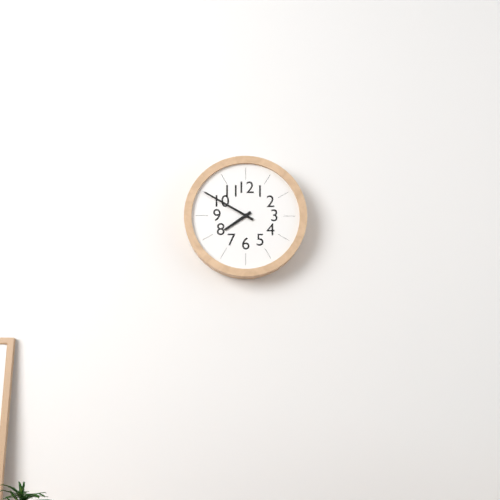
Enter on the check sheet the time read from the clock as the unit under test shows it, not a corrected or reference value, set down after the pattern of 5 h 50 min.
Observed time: 7 h 50 min
